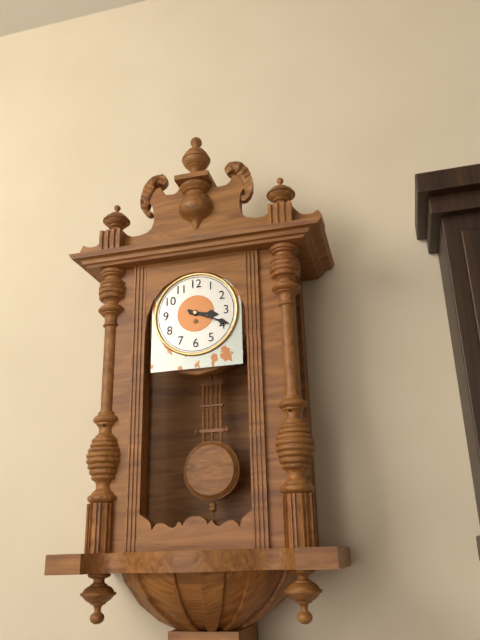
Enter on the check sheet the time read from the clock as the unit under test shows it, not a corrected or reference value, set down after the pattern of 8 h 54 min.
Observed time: 3 h 19 min
